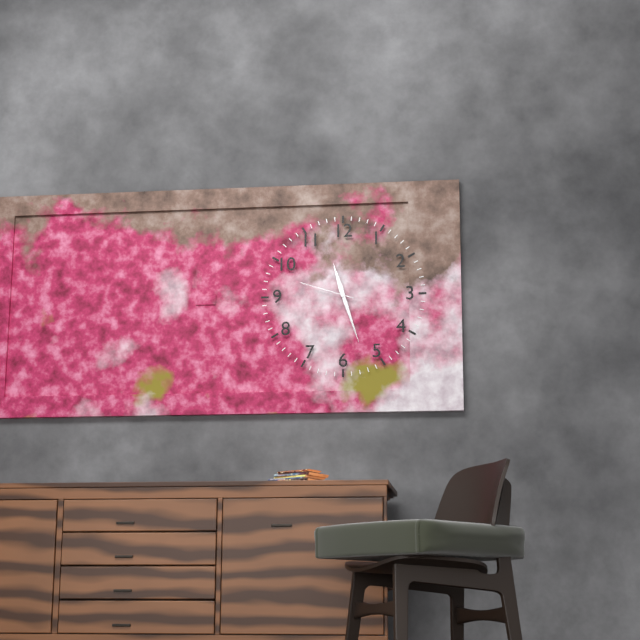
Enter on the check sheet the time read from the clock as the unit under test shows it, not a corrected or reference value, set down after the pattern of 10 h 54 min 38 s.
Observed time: 11 h 27 min 48 s
